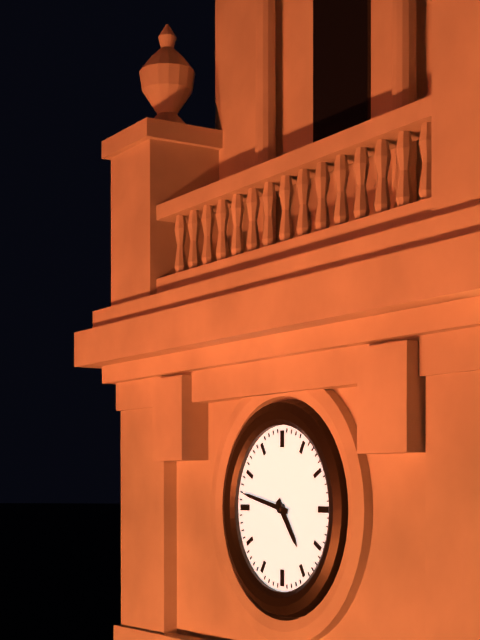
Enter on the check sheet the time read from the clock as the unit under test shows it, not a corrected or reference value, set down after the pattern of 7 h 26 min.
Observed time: 4 h 47 min
